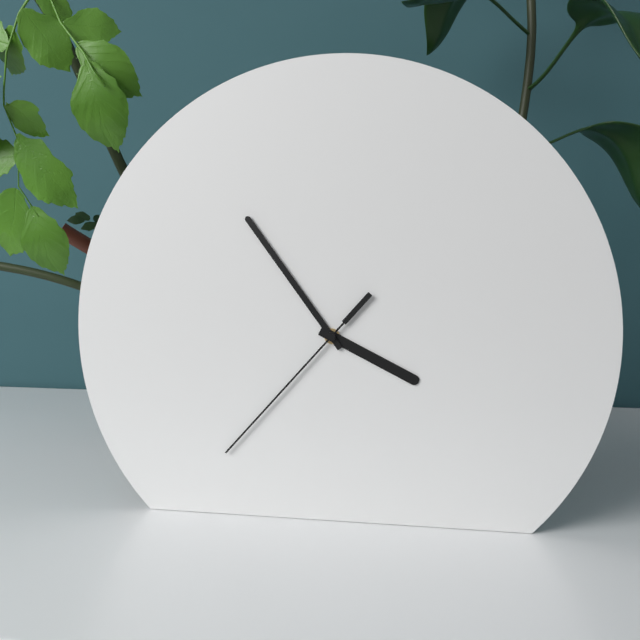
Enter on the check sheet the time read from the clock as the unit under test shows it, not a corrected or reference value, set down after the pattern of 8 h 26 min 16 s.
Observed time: 3 h 54 min 37 s
